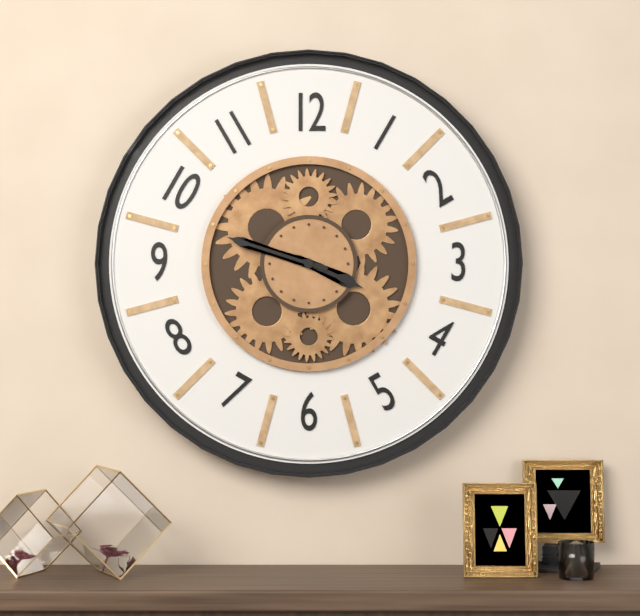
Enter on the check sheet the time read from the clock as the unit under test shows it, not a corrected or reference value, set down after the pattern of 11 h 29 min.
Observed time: 3 h 48 min
